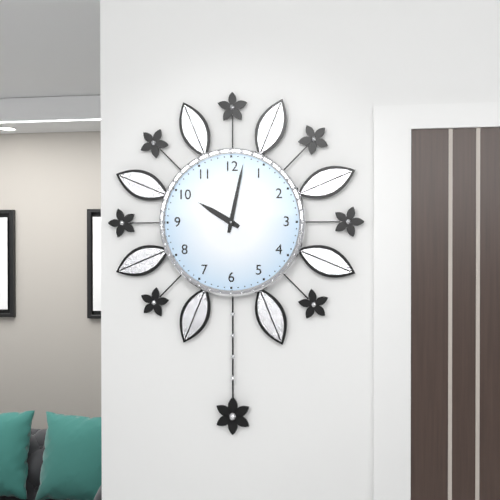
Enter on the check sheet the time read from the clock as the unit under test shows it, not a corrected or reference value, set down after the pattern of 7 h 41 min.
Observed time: 10 h 02 min
